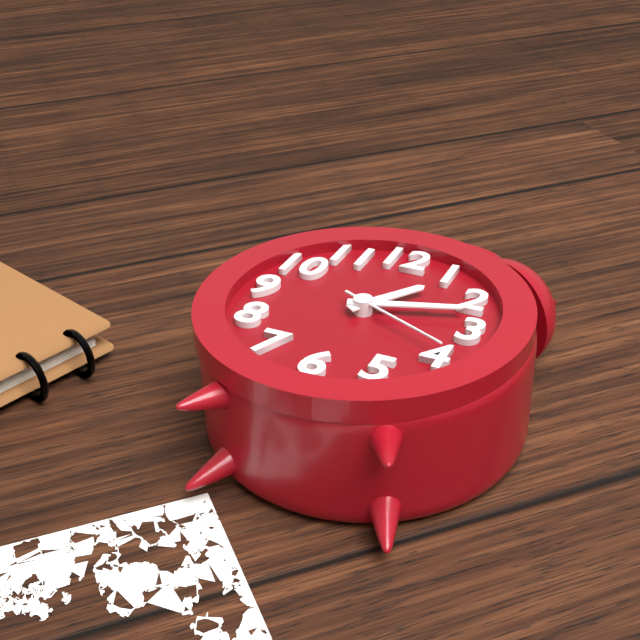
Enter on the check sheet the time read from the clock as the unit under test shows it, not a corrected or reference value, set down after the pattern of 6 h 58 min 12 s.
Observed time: 1 h 12 min 19 s
